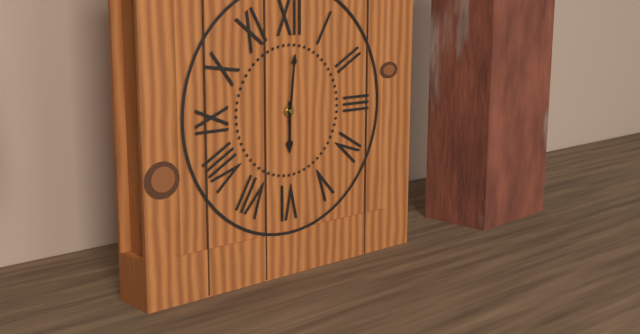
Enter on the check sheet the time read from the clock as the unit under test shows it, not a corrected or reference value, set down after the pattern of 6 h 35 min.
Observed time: 6 h 01 min
